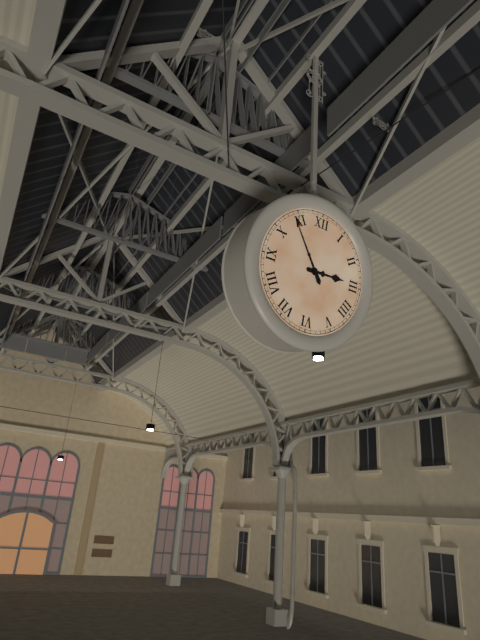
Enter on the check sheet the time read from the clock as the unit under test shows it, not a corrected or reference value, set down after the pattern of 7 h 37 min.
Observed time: 2 h 54 min
